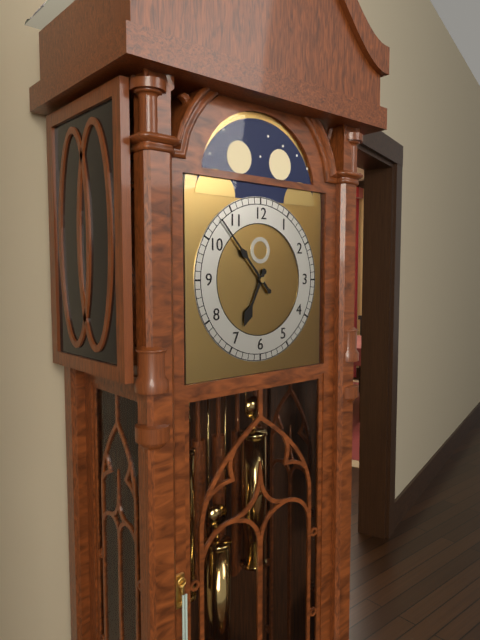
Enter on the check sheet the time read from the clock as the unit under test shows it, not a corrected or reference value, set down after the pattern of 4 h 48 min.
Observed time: 6 h 53 min
